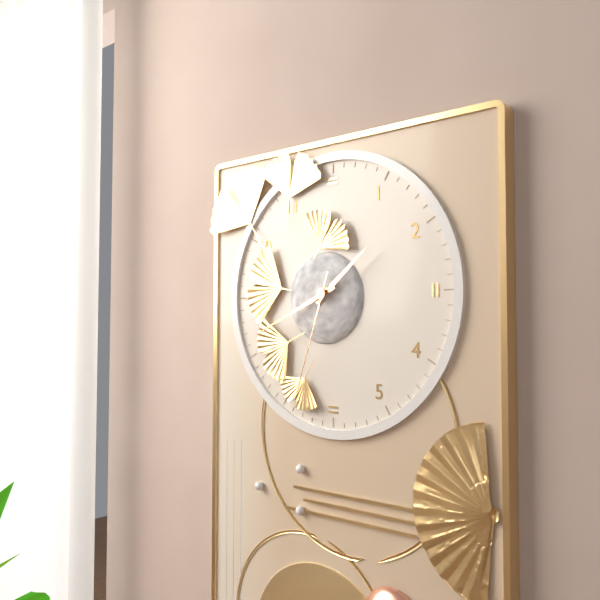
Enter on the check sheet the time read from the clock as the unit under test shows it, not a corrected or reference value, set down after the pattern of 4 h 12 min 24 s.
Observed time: 1 h 41 min 33 s
